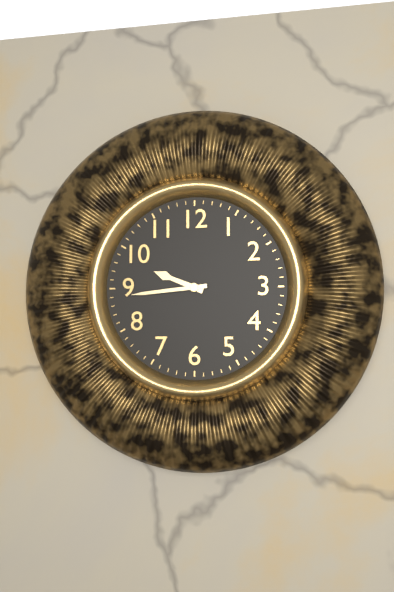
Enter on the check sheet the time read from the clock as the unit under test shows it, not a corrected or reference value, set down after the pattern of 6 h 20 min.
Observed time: 9 h 44 min
